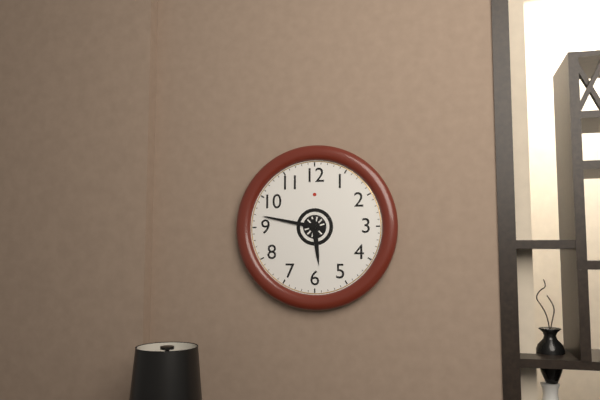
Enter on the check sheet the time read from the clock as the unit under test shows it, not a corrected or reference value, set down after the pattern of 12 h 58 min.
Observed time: 5 h 47 min
